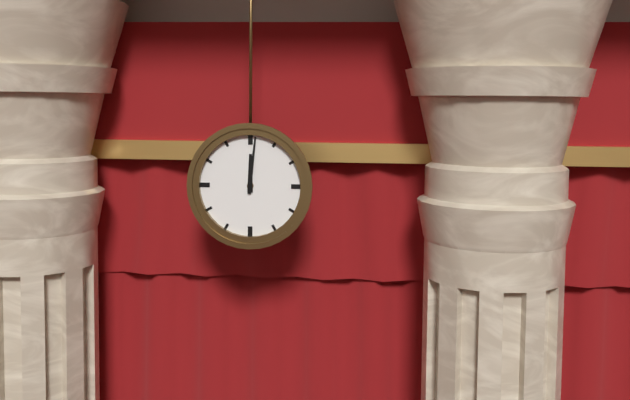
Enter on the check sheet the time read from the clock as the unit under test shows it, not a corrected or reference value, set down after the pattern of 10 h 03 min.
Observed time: 12 h 01 min
